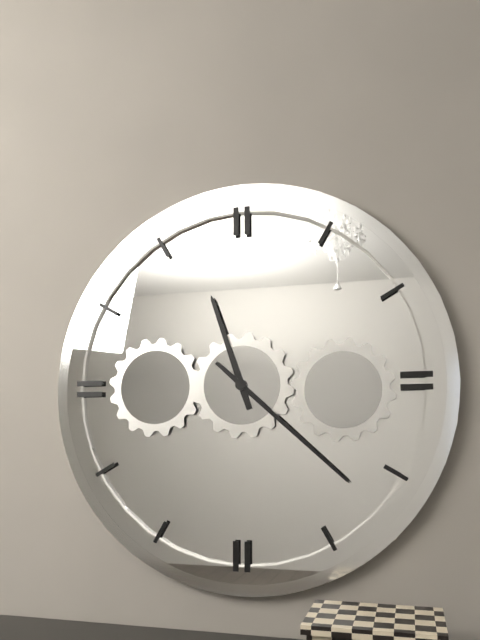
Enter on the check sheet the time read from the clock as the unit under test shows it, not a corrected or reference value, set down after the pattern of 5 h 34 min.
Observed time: 11 h 22 min
